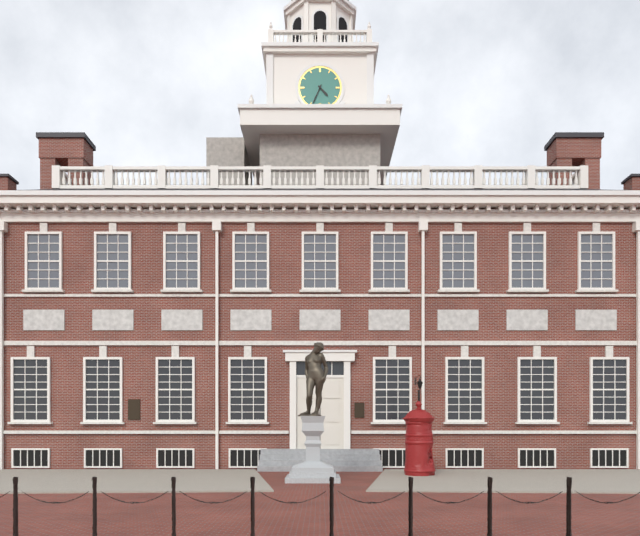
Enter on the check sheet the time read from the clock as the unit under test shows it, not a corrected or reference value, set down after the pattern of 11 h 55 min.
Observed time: 4 h 34 min
